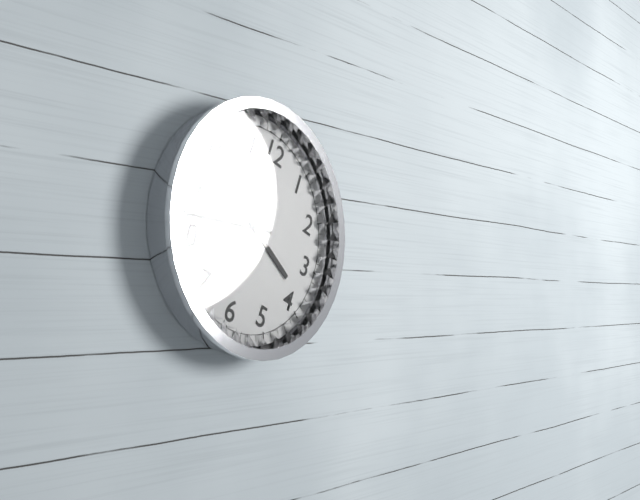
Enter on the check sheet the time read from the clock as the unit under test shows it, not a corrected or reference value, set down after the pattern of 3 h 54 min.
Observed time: 3 h 42 min
